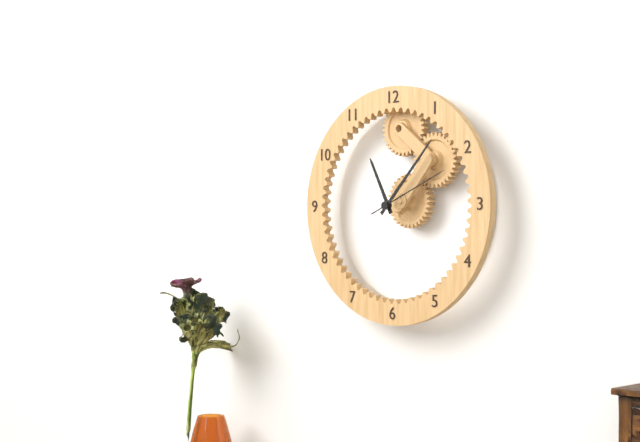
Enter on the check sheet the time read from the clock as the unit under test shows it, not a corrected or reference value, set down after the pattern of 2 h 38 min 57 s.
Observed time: 11 h 07 min 11 s
